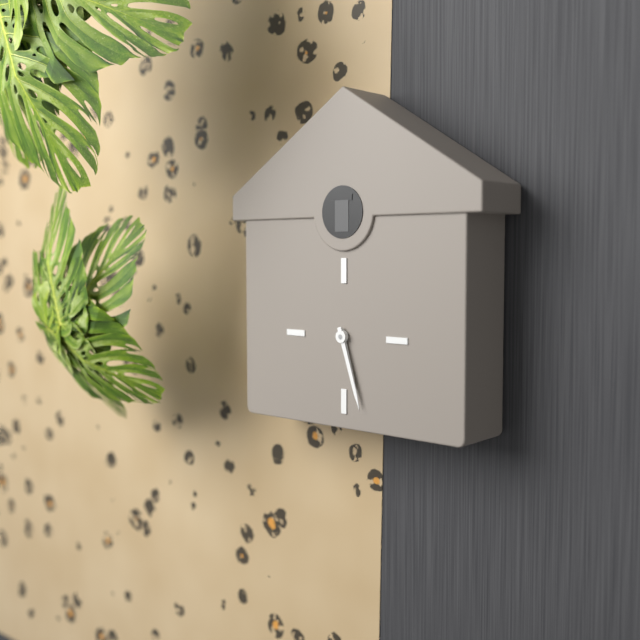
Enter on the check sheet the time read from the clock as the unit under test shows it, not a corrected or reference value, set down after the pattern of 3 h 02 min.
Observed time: 5 h 27 min
